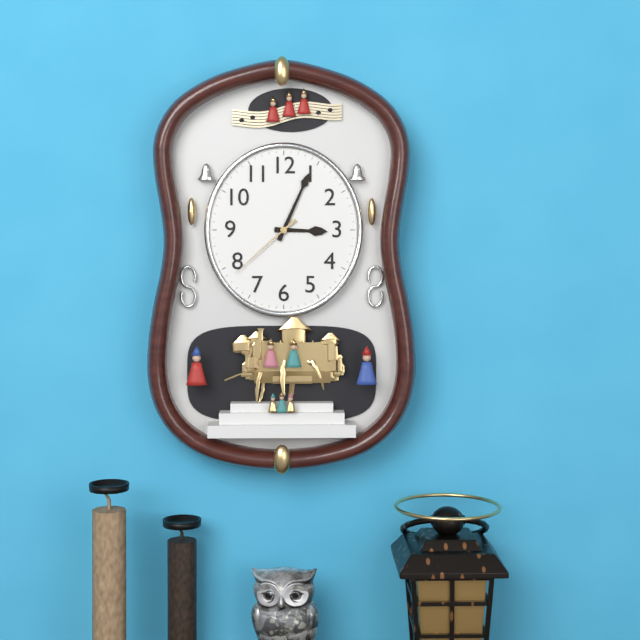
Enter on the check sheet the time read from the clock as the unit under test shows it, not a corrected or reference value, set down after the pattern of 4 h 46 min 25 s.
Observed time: 3 h 04 min 38 s
